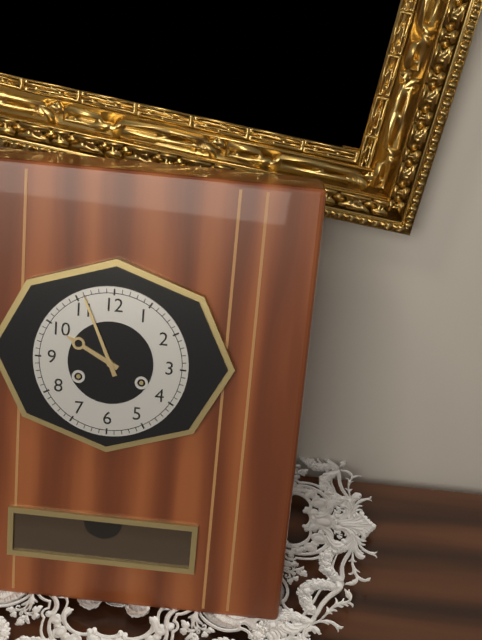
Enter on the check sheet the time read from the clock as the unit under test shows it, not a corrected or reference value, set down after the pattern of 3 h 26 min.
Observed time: 9 h 56 min
